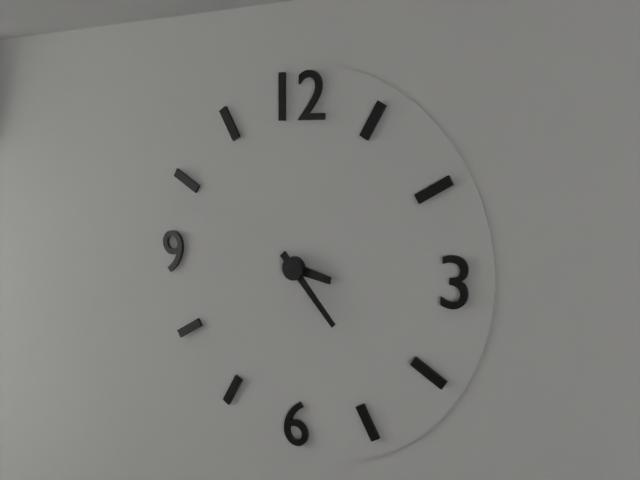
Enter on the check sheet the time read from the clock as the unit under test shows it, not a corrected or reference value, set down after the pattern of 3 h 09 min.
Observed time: 3 h 23 min
